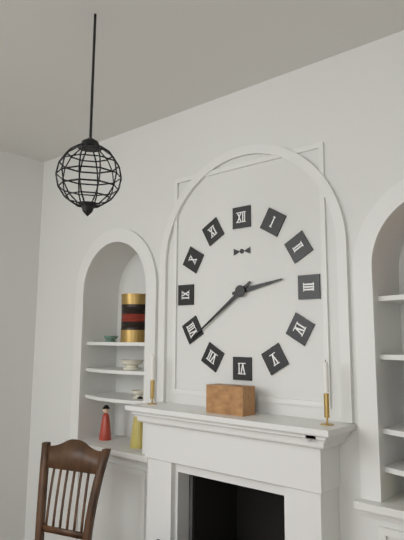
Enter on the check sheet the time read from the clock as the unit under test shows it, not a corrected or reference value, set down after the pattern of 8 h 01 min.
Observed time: 2 h 39 min
